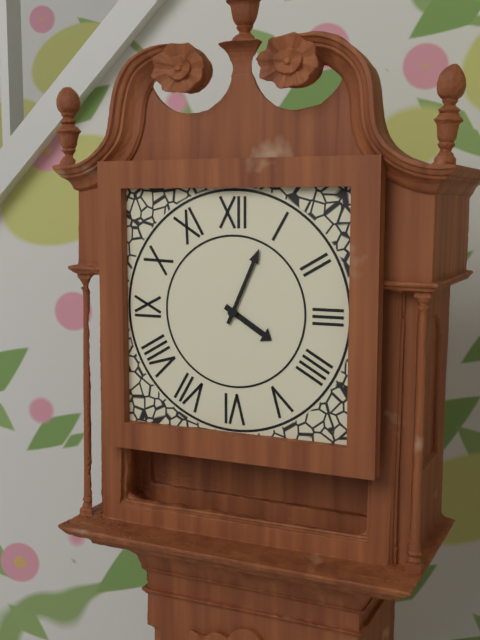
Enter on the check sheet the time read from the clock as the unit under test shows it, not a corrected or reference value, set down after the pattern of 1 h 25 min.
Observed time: 4 h 04 min
